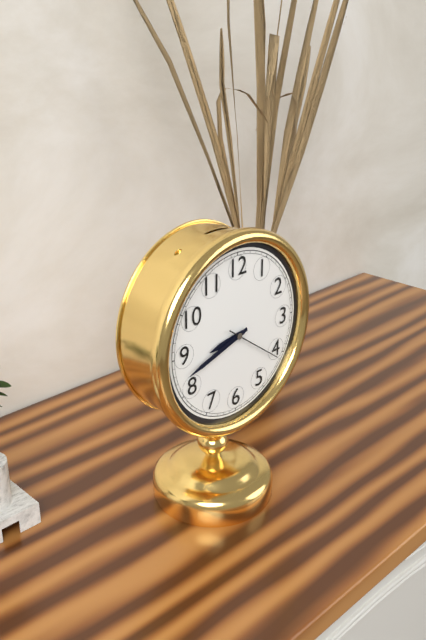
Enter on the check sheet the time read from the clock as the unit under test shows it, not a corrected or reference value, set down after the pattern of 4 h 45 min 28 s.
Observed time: 8 h 42 min 21 s
